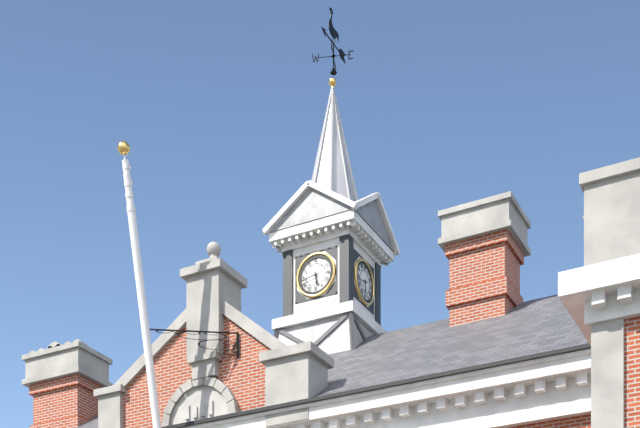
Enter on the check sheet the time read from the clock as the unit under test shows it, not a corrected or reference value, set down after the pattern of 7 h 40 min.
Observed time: 5 h 43 min
